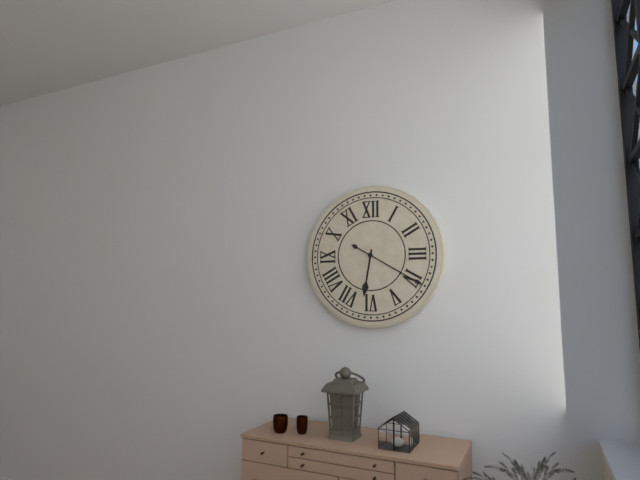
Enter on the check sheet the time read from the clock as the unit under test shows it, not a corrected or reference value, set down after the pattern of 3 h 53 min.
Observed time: 6 h 20 min
